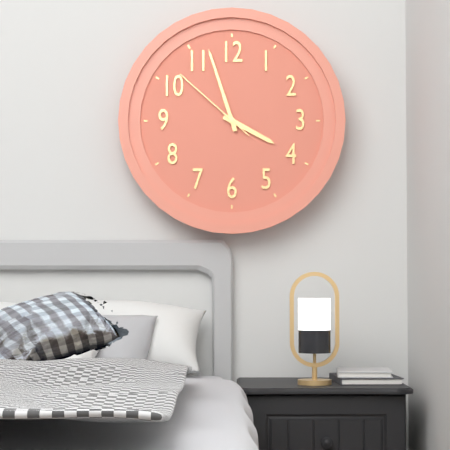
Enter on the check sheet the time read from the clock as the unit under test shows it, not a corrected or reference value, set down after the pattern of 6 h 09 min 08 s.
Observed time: 3 h 57 min 52 s
